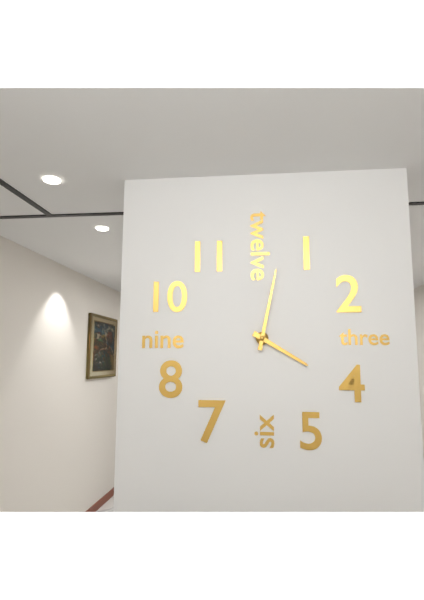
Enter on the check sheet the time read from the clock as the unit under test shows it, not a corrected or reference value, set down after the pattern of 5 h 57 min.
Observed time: 4 h 02 min
